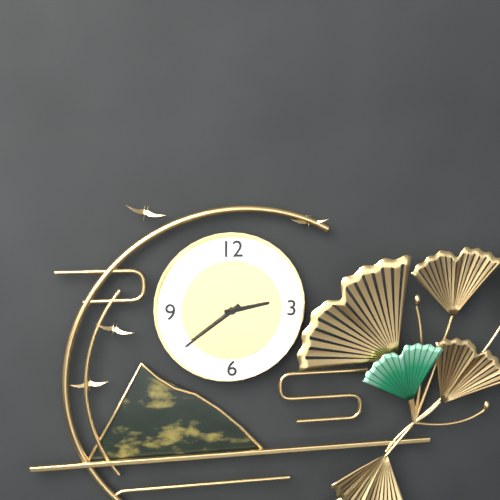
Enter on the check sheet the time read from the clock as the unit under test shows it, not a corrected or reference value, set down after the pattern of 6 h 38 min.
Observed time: 2 h 39 min
